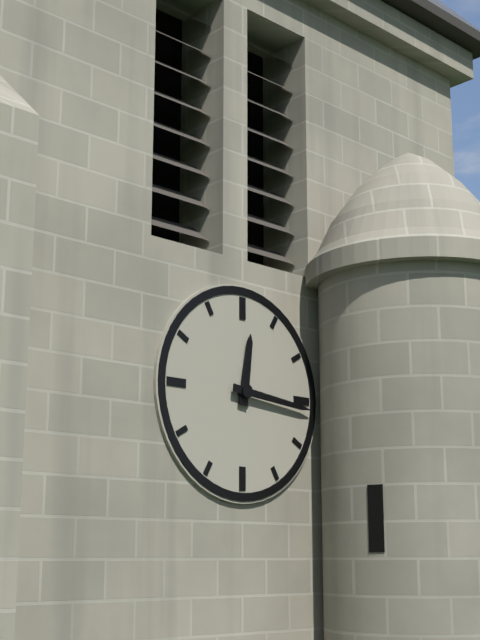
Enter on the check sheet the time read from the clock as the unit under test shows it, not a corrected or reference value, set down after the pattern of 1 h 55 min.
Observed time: 12 h 16 min
